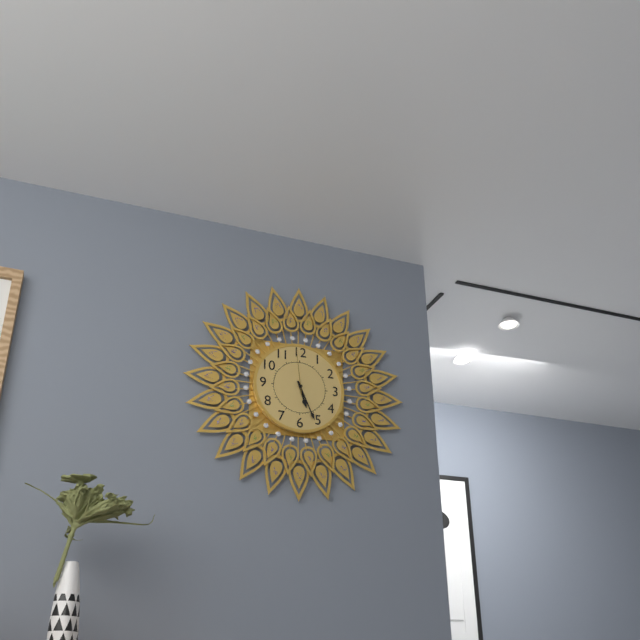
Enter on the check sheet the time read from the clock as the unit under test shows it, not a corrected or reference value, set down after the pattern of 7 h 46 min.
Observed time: 5 h 26 min
